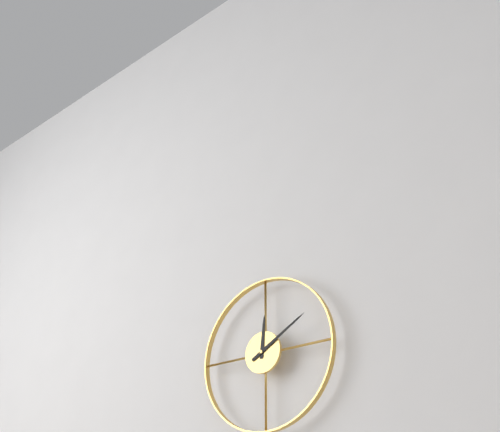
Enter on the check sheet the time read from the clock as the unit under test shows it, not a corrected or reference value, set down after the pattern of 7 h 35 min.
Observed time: 12 h 10 min
